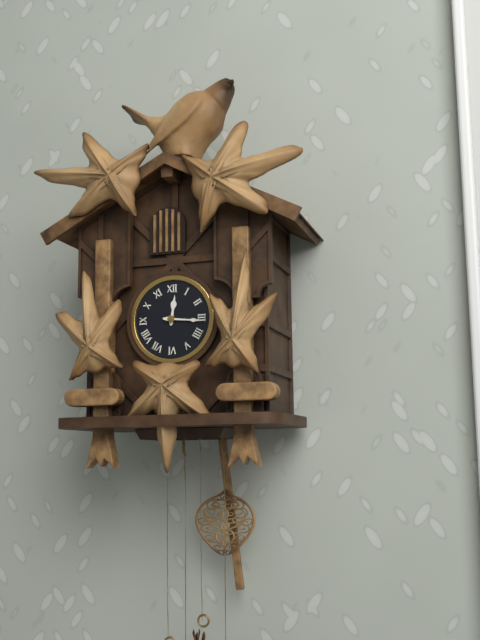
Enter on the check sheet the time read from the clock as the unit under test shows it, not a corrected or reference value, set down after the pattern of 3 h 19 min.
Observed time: 12 h 16 min
